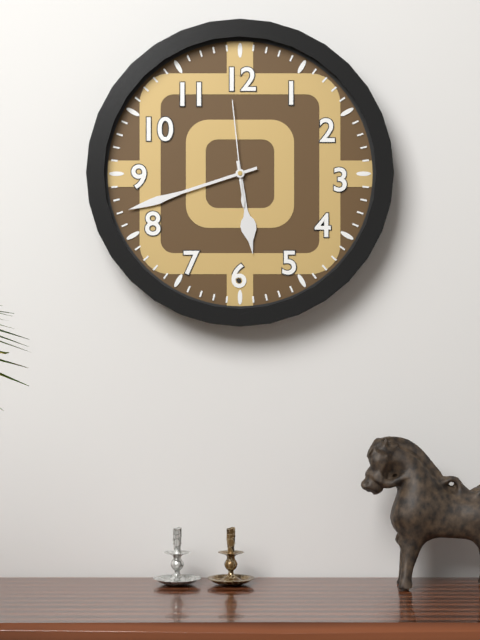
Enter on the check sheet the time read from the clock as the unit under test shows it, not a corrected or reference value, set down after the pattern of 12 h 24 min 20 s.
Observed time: 5 h 42 min 59 s
